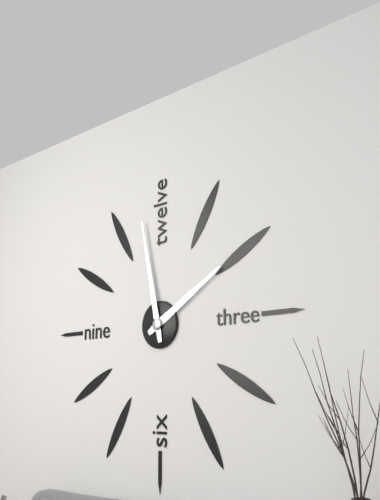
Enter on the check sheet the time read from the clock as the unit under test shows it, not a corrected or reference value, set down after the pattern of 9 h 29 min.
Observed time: 1 h 58 min
